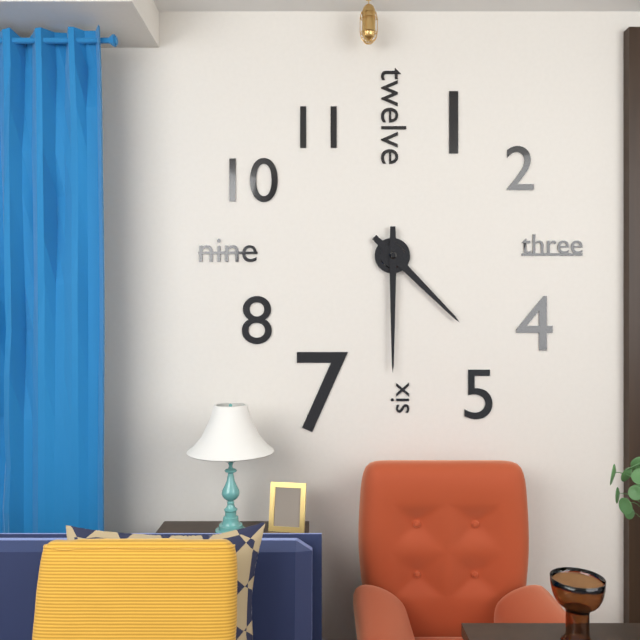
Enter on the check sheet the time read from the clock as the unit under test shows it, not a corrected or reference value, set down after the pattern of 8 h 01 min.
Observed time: 4 h 30 min
